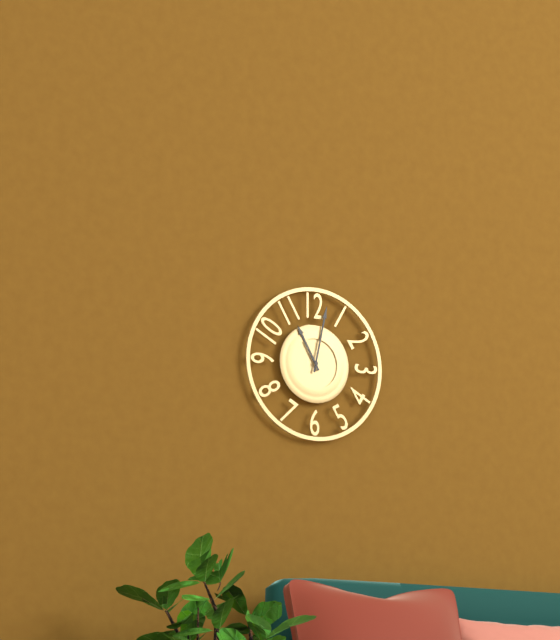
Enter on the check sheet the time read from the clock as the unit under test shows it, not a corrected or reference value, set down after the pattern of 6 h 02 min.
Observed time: 11 h 02 min
